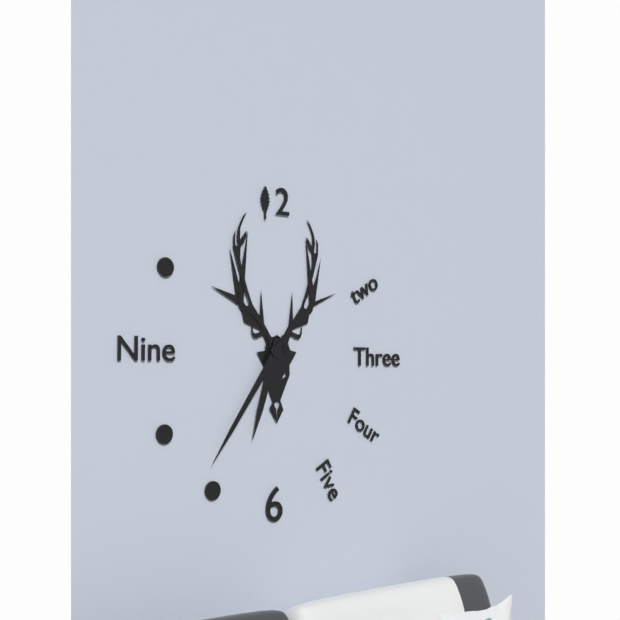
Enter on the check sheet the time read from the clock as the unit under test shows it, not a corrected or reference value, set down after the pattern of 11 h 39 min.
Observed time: 6 h 36 min
